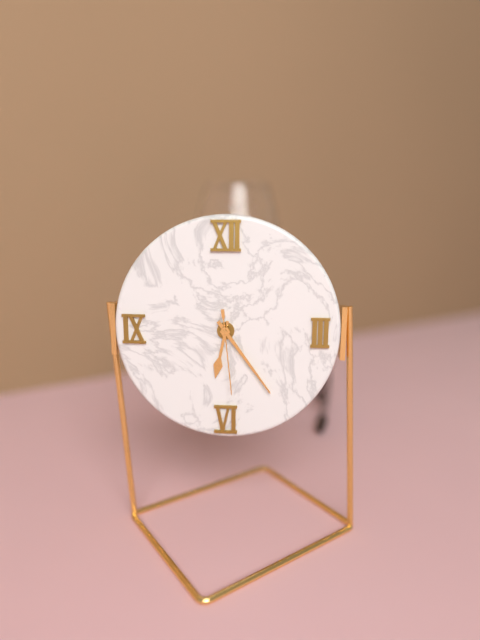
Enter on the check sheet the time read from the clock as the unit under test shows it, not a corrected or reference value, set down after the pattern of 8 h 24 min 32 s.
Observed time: 6 h 24 min 29 s
